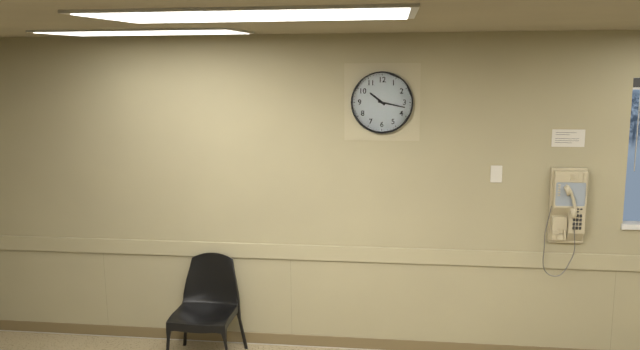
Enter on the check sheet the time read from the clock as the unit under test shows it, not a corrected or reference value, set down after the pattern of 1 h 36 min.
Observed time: 10 h 17 min
